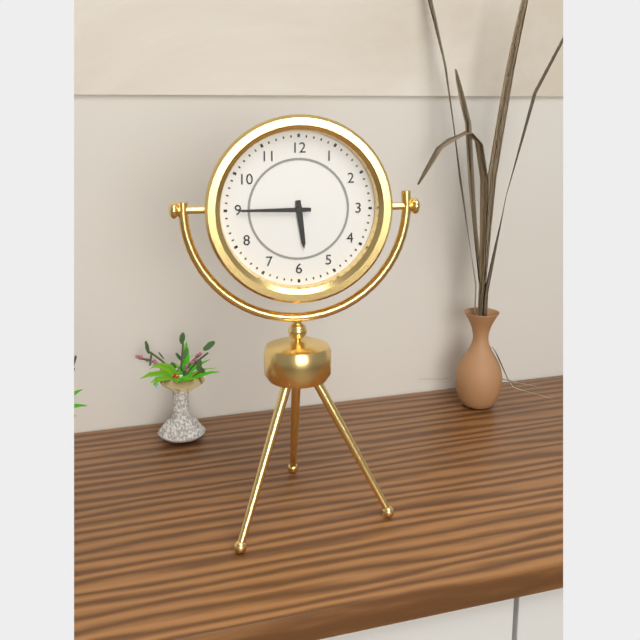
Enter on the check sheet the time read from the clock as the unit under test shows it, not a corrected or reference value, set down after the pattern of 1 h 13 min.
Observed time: 5 h 45 min
